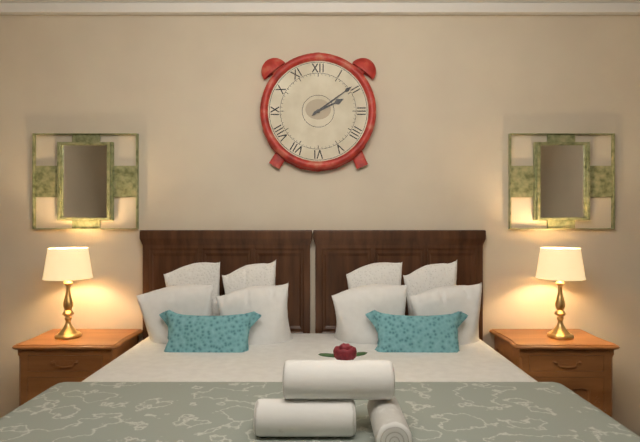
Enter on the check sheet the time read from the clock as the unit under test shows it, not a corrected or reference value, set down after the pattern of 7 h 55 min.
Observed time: 2 h 09 min
